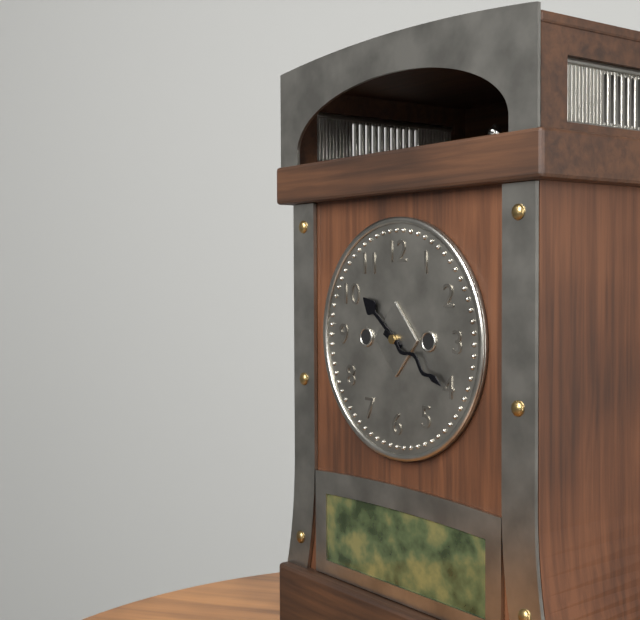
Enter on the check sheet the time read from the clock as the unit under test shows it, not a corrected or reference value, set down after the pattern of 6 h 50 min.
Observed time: 10 h 20 min
